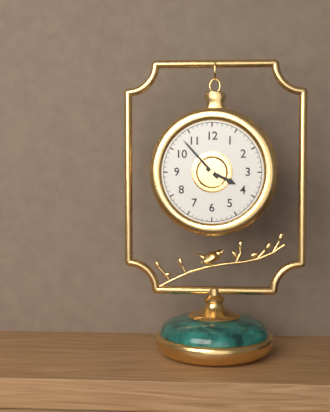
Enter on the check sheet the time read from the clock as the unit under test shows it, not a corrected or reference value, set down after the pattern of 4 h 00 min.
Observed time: 3 h 53 min
